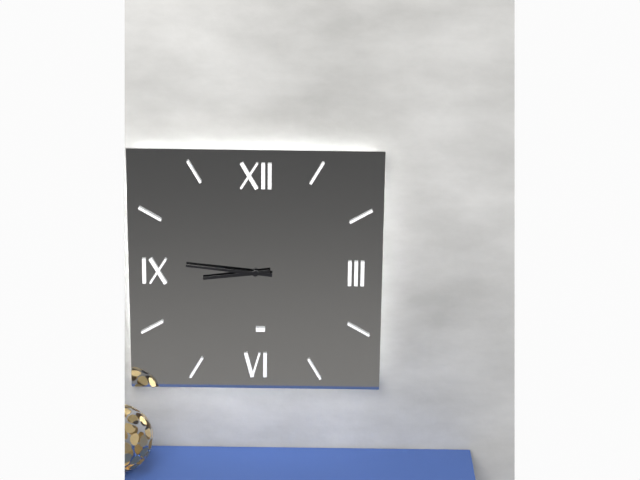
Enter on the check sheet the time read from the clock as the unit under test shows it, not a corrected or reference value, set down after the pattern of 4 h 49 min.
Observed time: 8 h 46 min
